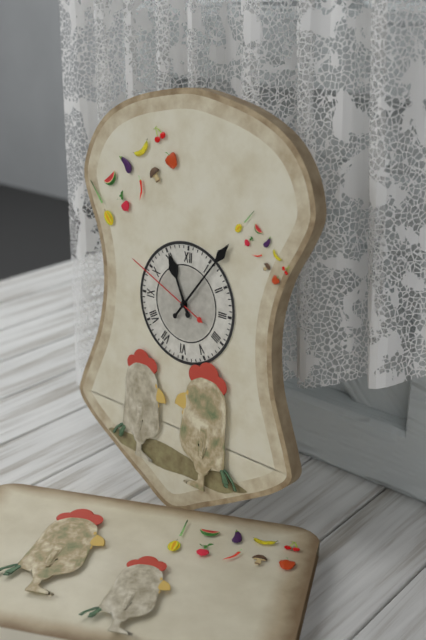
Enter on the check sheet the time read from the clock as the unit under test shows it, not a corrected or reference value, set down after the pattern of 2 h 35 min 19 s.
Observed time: 11 h 06 min 49 s
